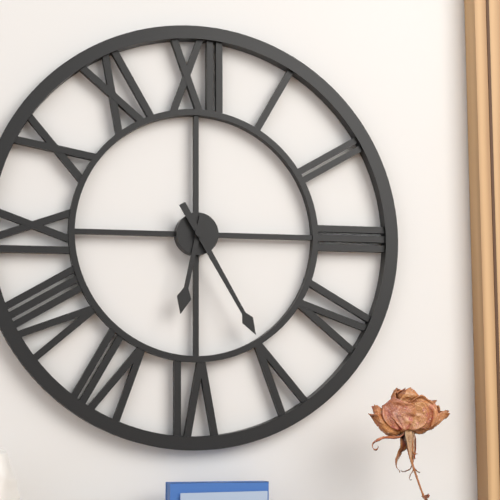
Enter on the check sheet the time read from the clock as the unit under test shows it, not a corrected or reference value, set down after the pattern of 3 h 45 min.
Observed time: 6 h 25 min
